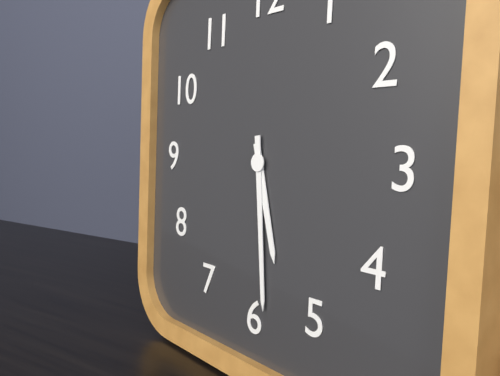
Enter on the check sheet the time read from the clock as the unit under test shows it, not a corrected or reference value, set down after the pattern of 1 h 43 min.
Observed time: 5 h 29 min
